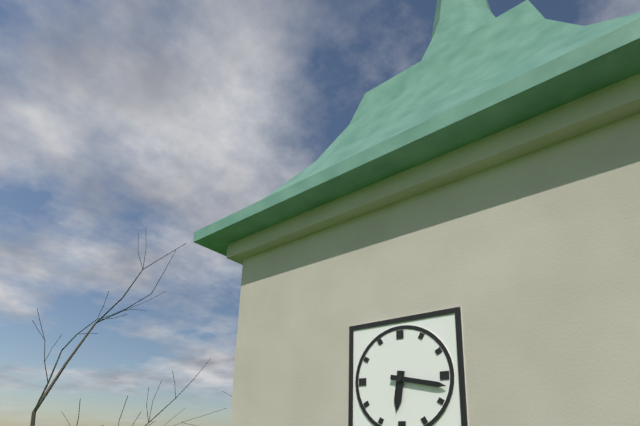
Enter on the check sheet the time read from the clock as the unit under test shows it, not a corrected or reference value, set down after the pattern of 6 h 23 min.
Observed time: 6 h 17 min
